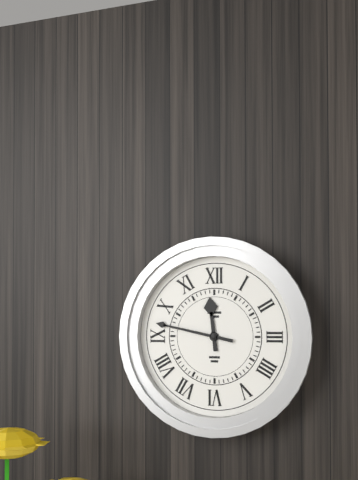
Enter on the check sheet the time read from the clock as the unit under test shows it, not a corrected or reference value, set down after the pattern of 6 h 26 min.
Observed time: 11 h 47 min
